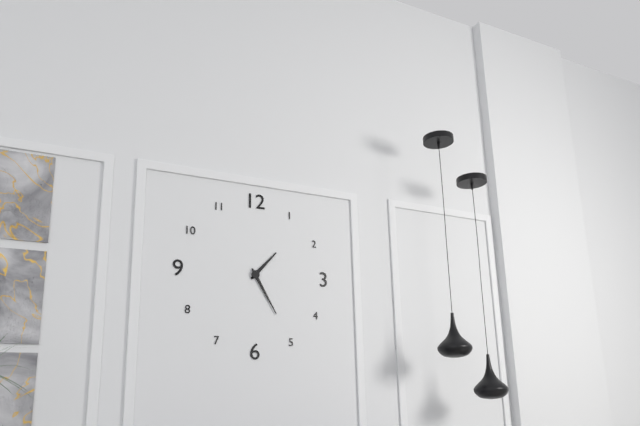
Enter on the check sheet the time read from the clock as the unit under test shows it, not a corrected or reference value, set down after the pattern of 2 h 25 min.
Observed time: 1 h 25 min
